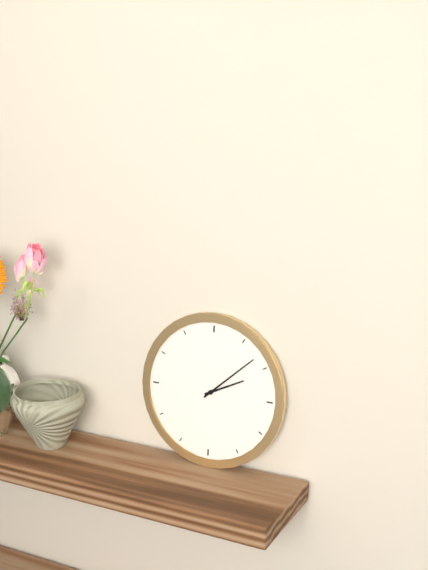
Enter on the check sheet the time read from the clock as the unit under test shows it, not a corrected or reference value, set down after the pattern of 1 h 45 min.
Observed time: 2 h 08 min
